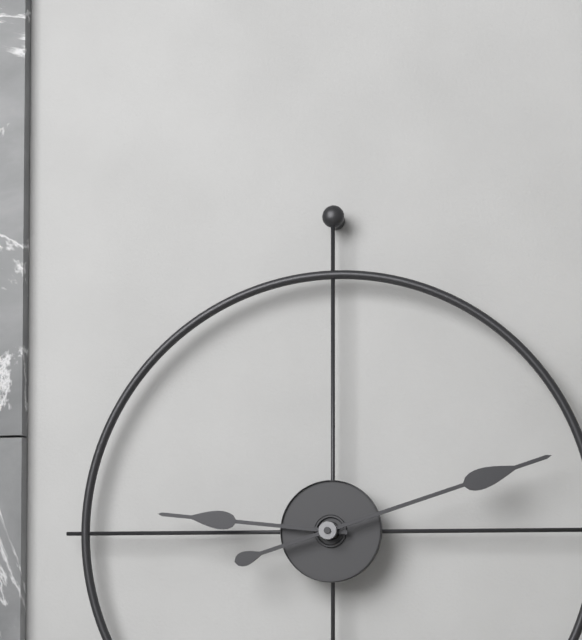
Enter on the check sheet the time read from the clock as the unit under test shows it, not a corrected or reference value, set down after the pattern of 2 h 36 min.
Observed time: 9 h 12 min
